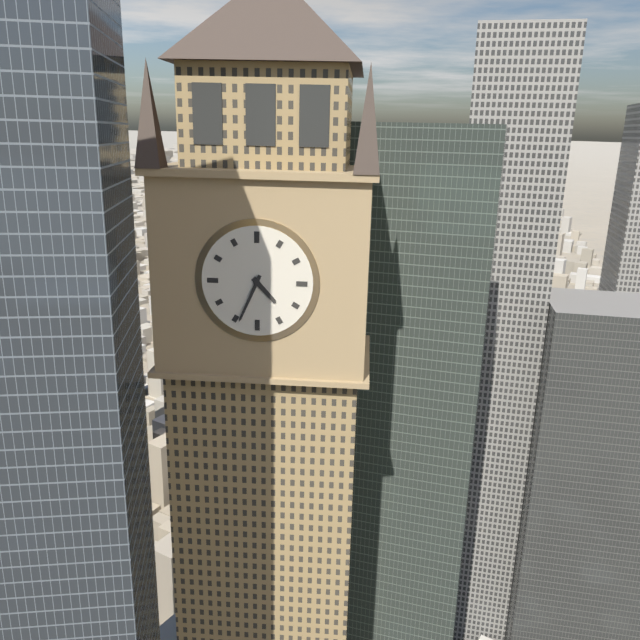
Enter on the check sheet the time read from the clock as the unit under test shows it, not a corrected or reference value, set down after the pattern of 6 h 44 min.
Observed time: 4 h 34 min
